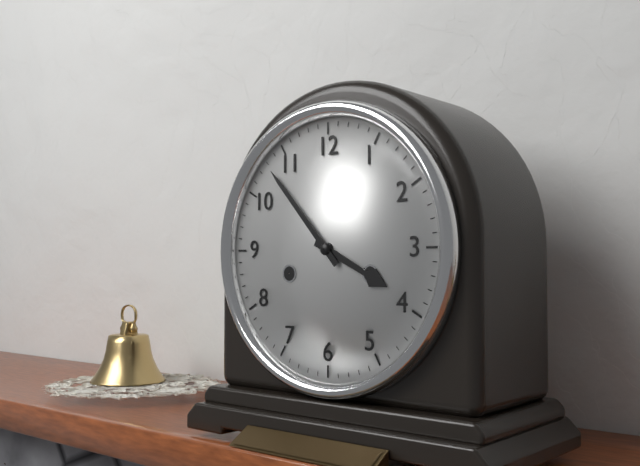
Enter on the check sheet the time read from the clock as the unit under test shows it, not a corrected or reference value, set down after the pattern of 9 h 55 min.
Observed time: 3 h 53 min
